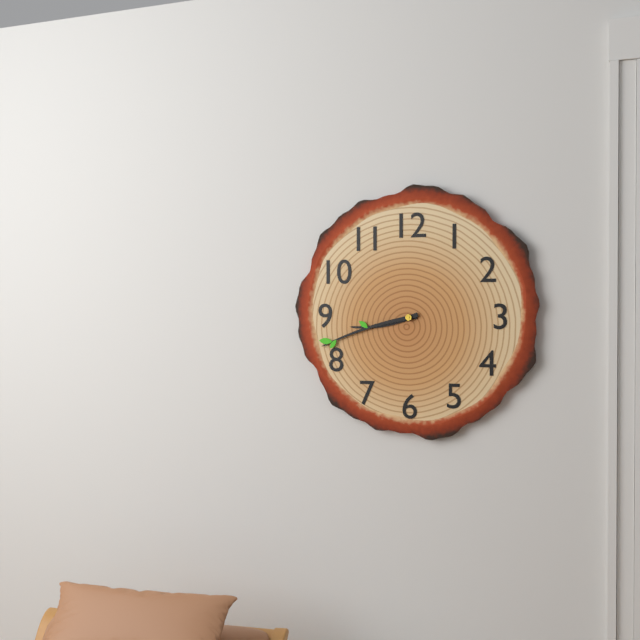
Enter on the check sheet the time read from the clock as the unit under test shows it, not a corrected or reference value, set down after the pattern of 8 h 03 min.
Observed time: 8 h 42 min
